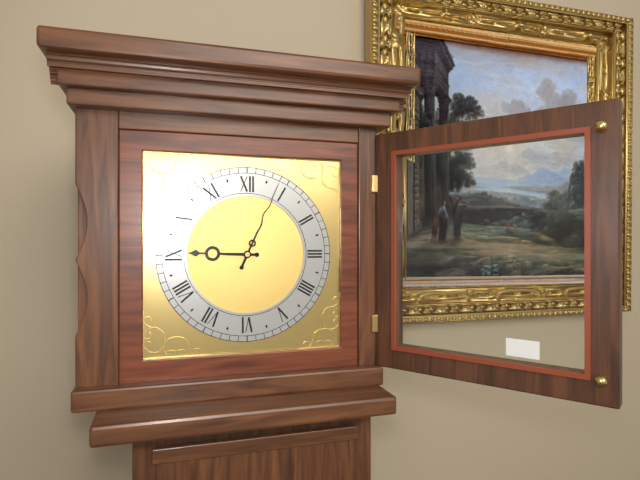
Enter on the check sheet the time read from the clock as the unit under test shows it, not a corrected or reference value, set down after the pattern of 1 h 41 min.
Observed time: 9 h 04 min
